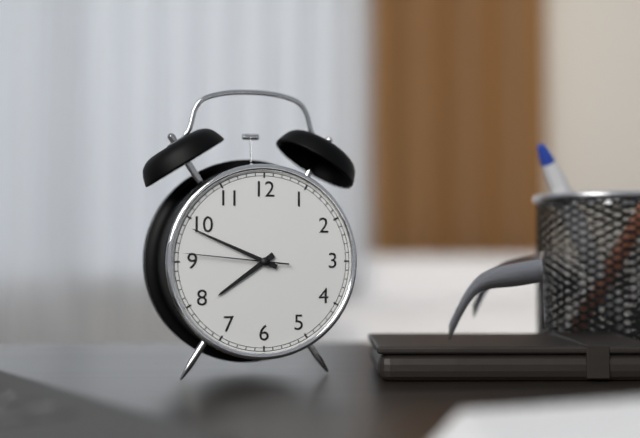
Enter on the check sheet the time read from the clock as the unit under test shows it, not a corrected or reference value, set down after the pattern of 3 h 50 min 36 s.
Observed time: 7 h 49 min 46 s
